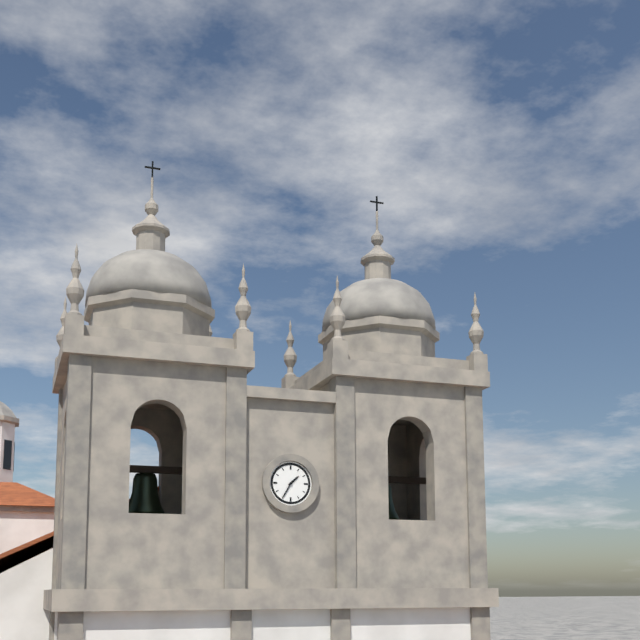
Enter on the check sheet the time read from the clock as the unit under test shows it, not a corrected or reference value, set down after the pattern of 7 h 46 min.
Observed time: 1 h 35 min
